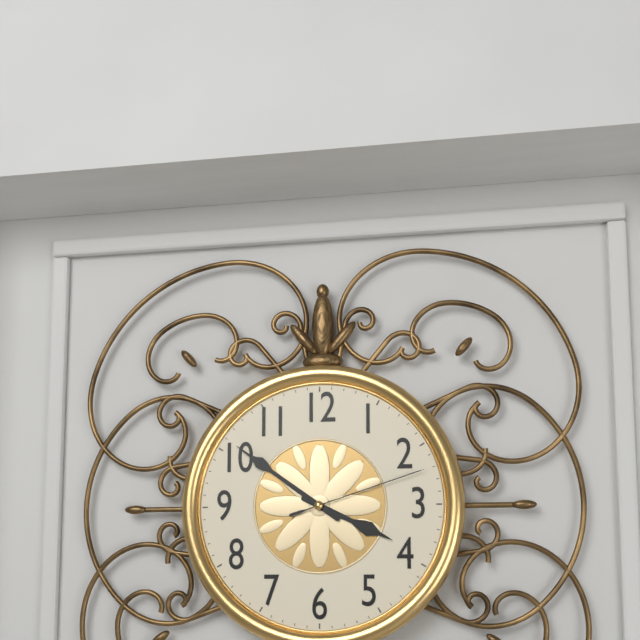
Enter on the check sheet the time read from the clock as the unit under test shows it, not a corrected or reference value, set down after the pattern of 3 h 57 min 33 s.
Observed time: 3 h 51 min 12 s
